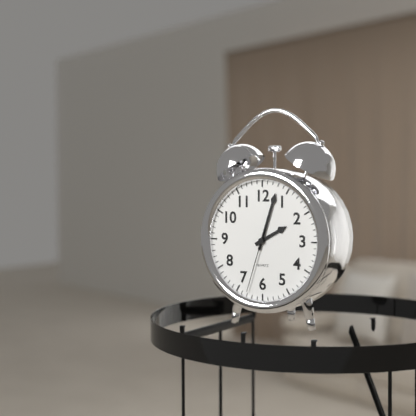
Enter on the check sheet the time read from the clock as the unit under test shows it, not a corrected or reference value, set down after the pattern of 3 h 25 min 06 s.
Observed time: 2 h 03 min 33 s
